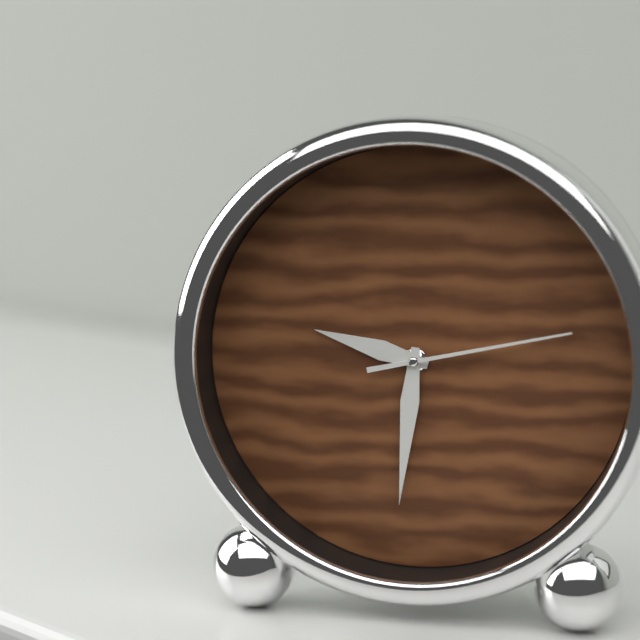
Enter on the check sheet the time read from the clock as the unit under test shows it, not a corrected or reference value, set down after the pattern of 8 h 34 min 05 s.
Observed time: 9 h 31 min 13 s
